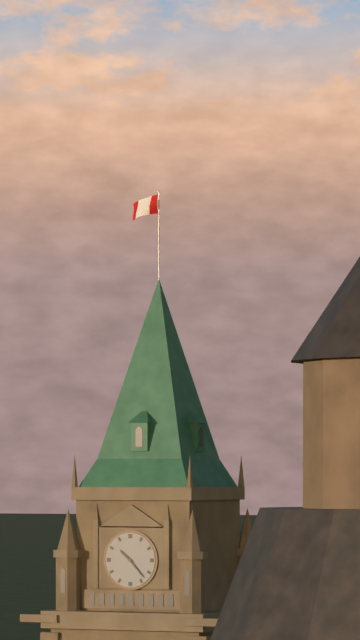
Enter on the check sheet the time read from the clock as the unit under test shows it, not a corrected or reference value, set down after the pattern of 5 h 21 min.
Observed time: 10 h 23 min
